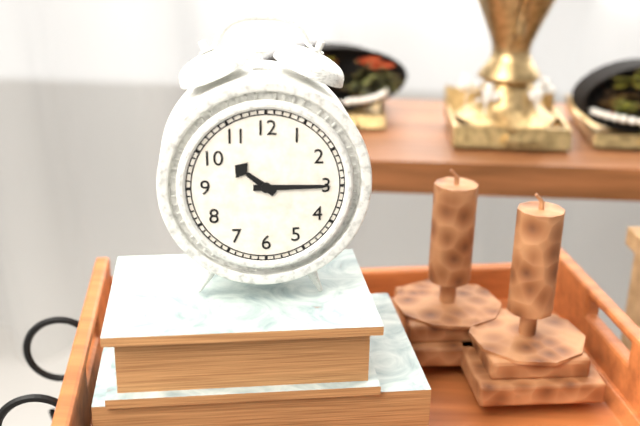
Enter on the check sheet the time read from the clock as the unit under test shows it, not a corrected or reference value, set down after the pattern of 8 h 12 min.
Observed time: 10 h 15 min
